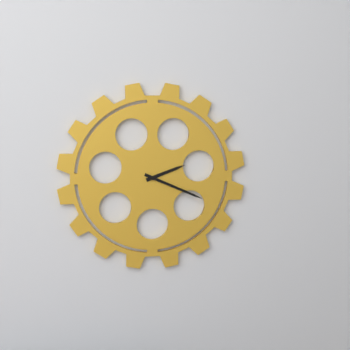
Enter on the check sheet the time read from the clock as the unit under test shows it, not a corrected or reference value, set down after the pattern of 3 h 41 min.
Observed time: 2 h 19 min
